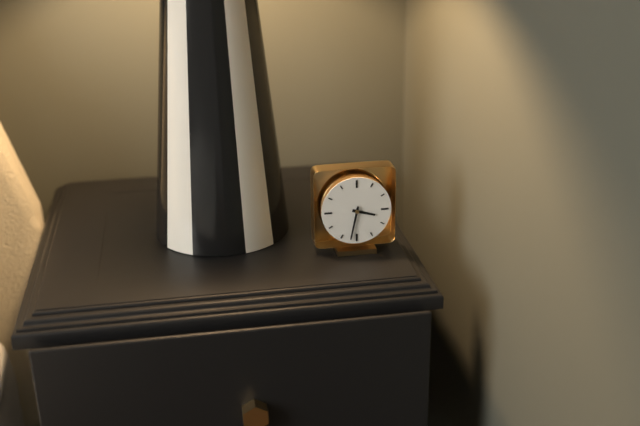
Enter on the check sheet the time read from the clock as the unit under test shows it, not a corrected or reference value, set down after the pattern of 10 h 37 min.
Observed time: 3 h 32 min
